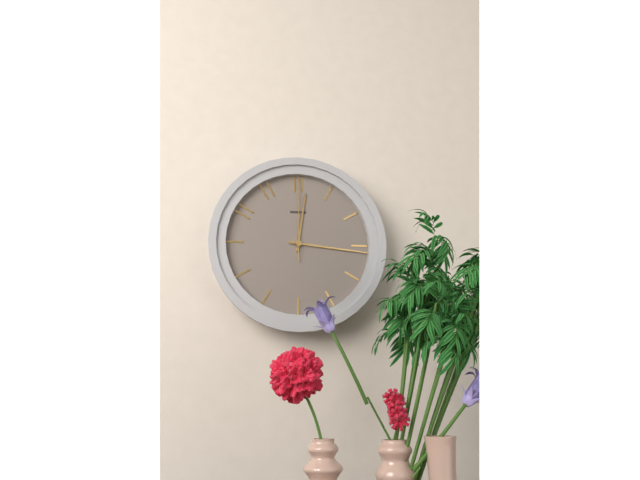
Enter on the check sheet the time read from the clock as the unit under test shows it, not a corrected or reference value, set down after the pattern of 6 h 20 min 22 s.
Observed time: 12 h 16 min 00 s
